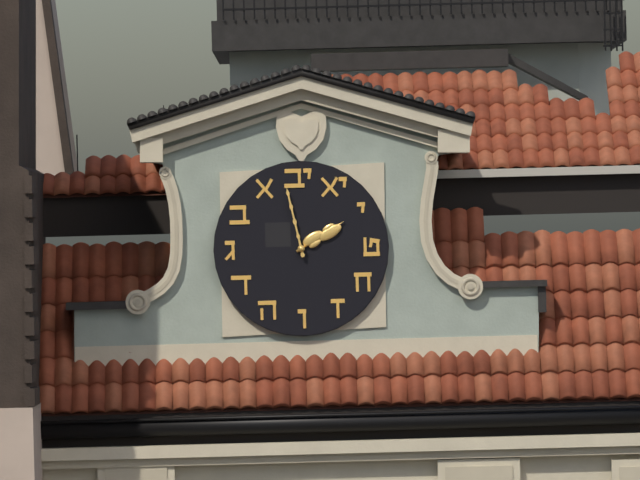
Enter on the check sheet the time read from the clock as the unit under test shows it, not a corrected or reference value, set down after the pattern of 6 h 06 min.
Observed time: 1 h 58 min
